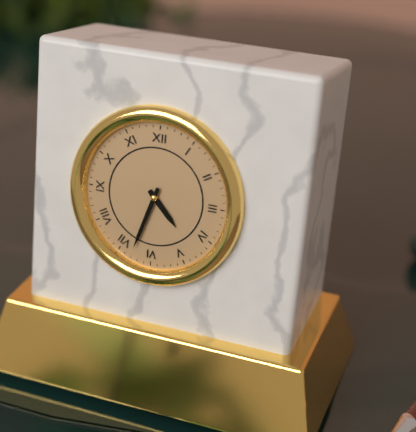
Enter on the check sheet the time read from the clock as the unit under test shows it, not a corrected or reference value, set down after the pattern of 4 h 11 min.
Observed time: 4 h 33 min
